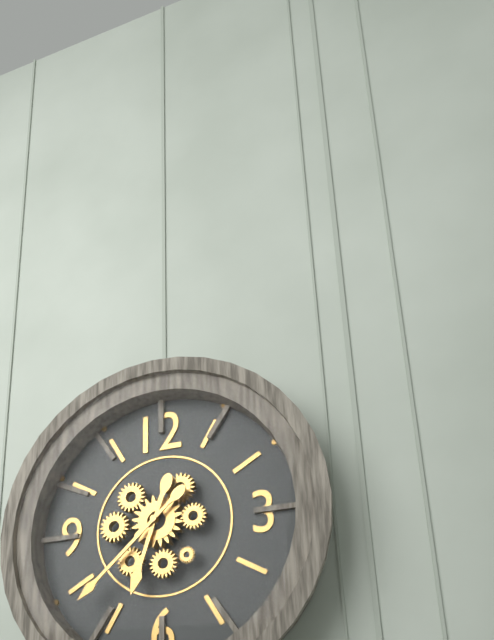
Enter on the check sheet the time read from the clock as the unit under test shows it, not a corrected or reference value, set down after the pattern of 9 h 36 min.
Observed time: 6 h 38 min
